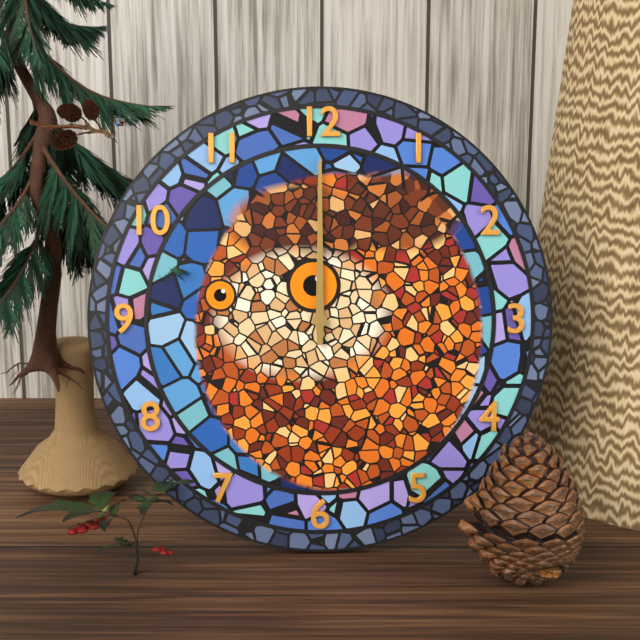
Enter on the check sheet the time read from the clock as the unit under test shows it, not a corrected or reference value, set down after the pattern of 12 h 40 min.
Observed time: 12 h 00 min
